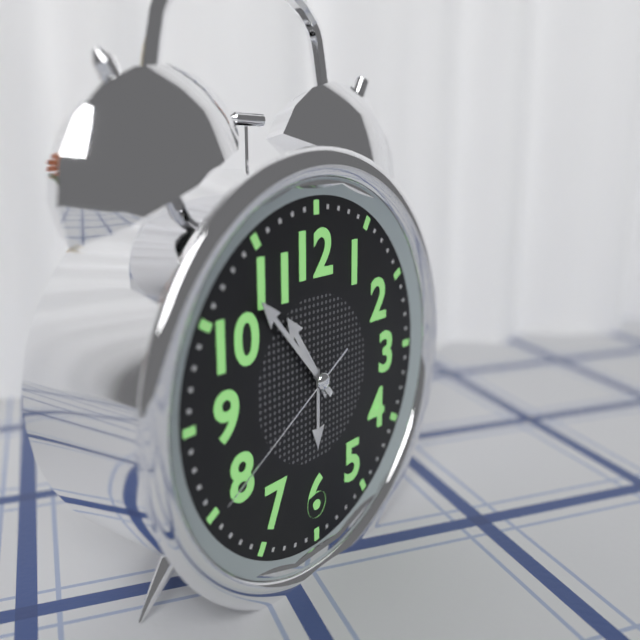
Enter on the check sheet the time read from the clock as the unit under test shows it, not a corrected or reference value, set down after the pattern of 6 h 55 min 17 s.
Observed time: 10 h 53 min 40 s
